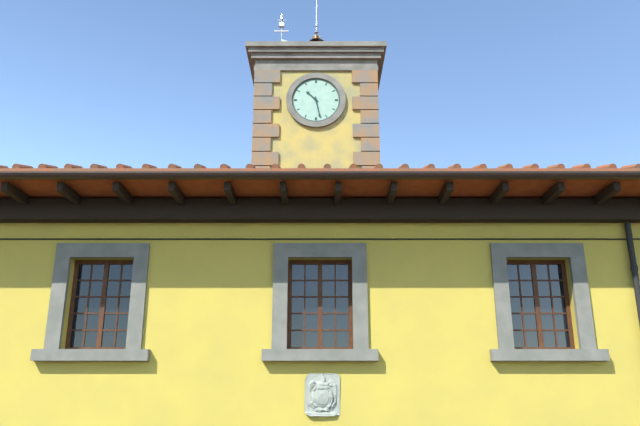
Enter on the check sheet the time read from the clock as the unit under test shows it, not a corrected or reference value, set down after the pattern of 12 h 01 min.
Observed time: 10 h 28 min
